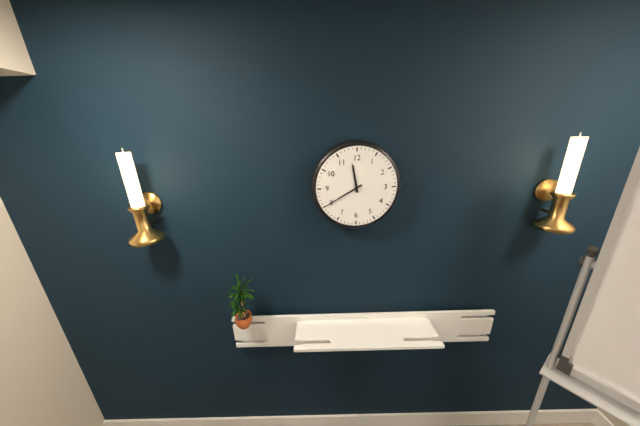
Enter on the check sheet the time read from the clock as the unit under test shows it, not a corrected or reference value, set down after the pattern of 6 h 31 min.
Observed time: 11 h 40 min
